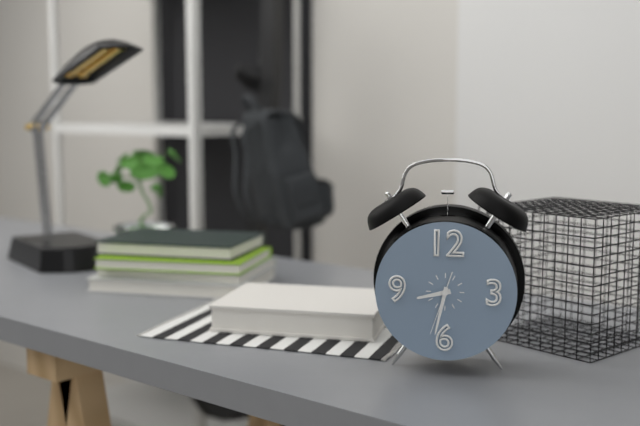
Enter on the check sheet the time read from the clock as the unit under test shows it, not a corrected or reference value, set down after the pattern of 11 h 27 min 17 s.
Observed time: 8 h 32 min 33 s
